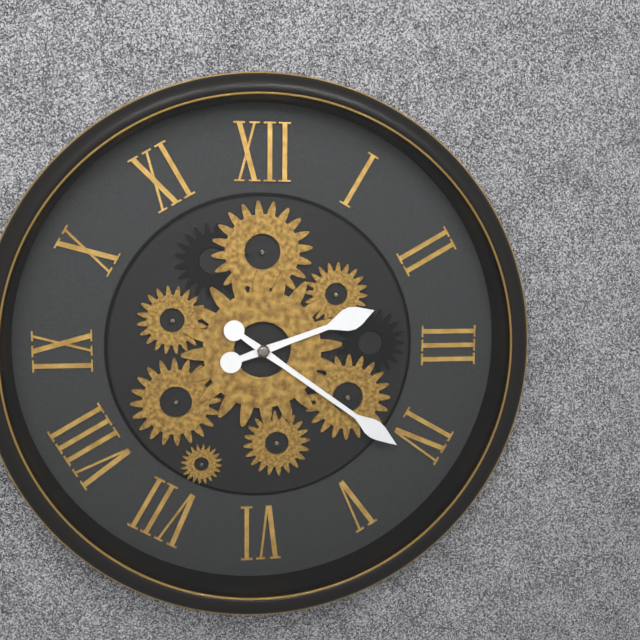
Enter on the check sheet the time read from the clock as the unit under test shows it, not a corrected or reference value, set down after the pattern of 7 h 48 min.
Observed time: 2 h 21 min
